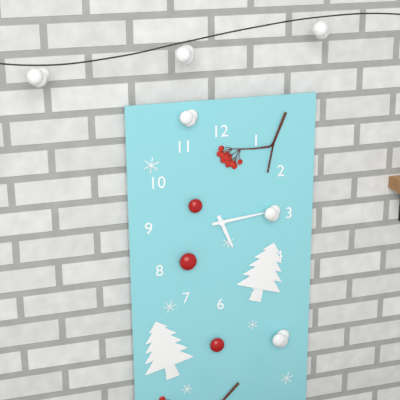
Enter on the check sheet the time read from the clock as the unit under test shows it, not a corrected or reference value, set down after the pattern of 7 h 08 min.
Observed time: 5 h 14 min
